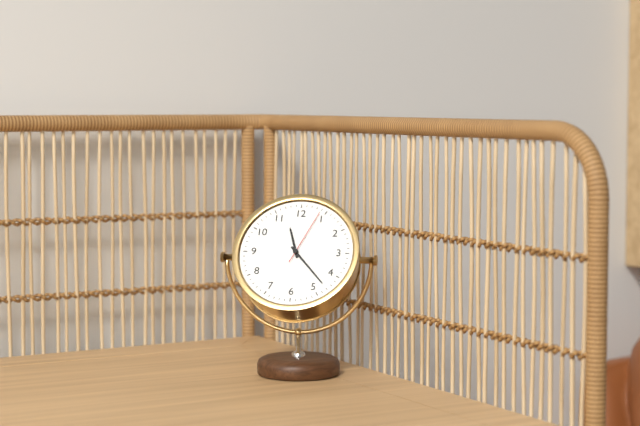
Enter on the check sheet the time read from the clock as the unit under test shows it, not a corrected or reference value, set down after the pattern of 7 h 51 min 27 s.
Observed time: 11 h 23 min 04 s
